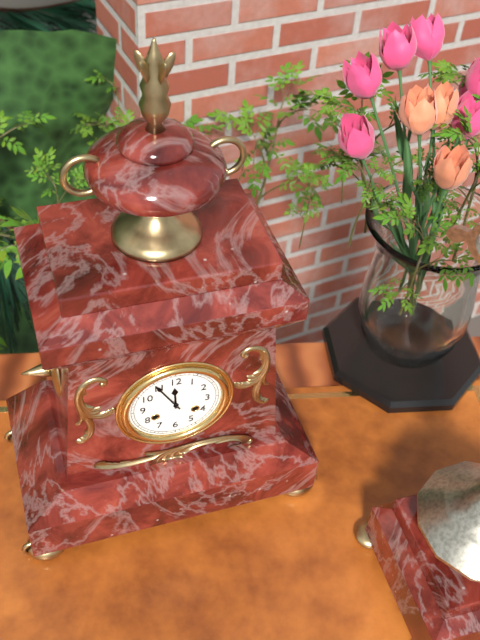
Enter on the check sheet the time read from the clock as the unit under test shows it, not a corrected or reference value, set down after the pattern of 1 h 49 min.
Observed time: 11 h 55 min
